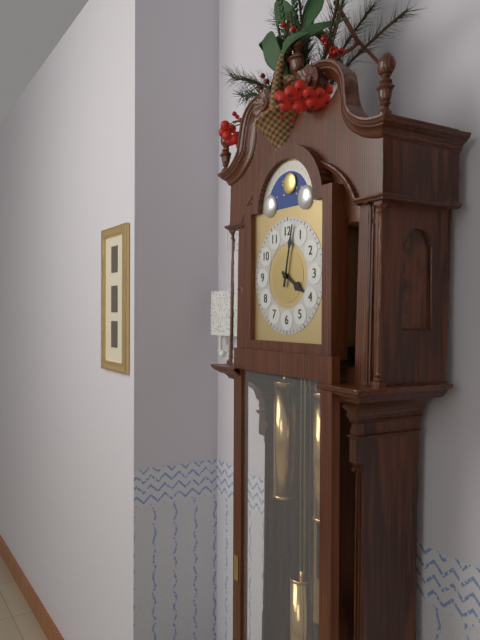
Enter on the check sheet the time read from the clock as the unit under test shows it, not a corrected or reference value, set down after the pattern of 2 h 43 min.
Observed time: 4 h 02 min
